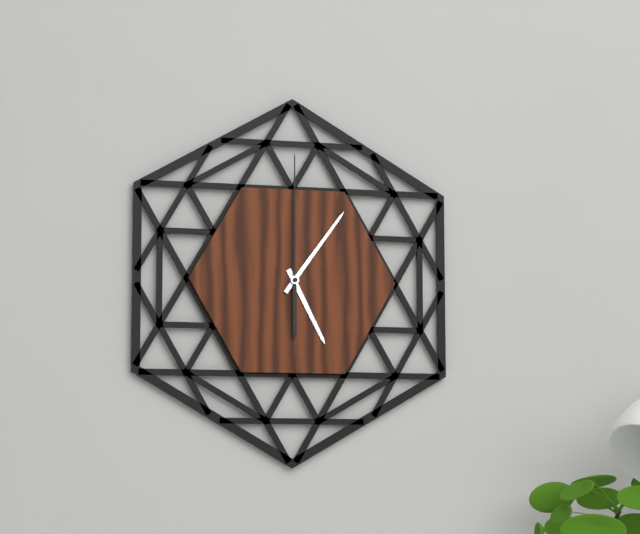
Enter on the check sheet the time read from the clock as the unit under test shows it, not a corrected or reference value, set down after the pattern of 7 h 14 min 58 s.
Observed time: 5 h 06 min 00 s
